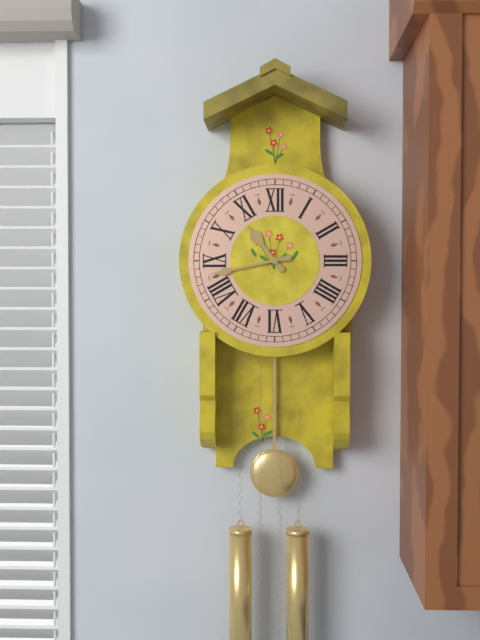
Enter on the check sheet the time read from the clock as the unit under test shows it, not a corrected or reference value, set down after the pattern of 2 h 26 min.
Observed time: 10 h 43 min
